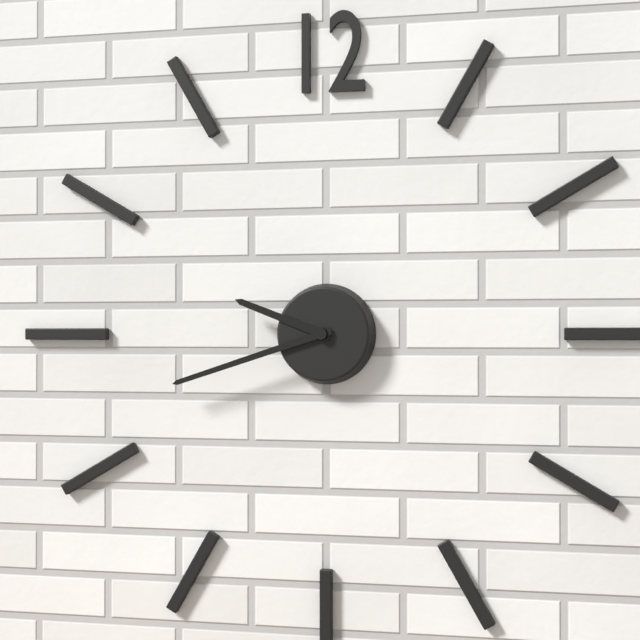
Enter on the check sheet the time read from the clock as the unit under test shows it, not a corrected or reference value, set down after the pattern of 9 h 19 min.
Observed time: 9 h 42 min
